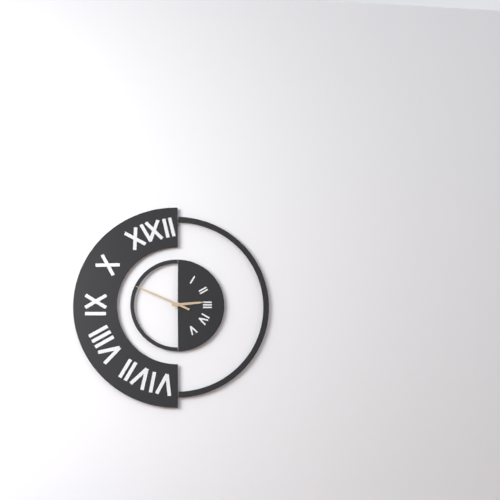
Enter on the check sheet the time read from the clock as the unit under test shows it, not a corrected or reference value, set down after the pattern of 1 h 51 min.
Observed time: 2 h 49 min
